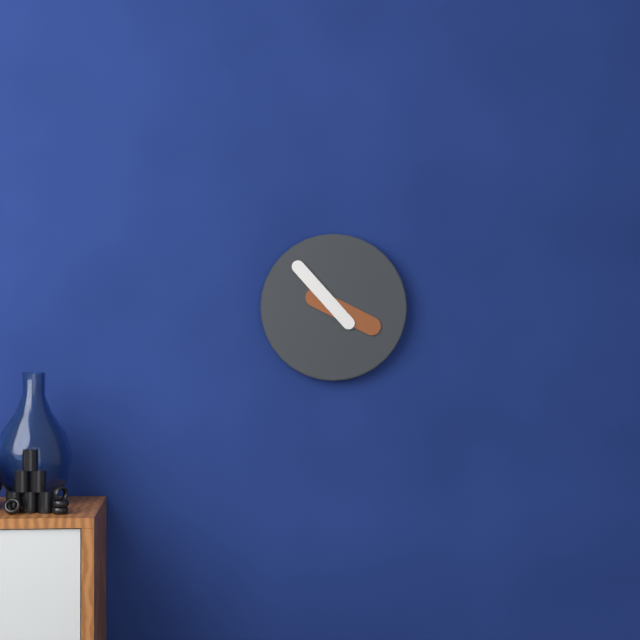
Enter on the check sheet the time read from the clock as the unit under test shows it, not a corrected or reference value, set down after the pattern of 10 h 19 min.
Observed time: 3 h 53 min
